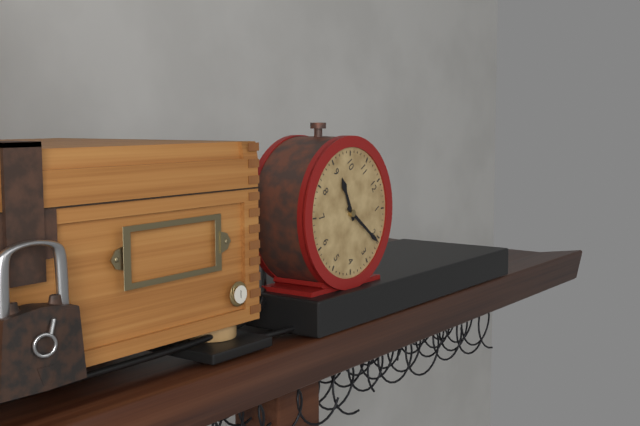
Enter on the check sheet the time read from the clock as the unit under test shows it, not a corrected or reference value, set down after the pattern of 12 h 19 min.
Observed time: 9 h 11 min
